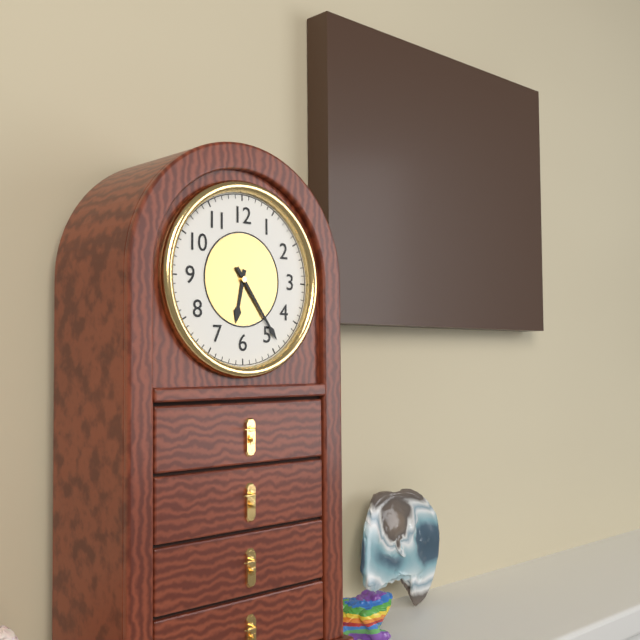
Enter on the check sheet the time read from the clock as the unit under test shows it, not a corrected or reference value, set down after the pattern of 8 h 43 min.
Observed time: 6 h 24 min
